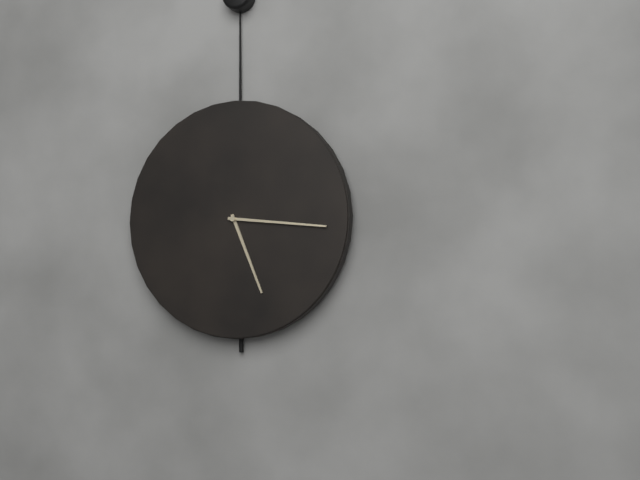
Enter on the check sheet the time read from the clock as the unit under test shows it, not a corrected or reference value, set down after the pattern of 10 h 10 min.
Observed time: 5 h 16 min
